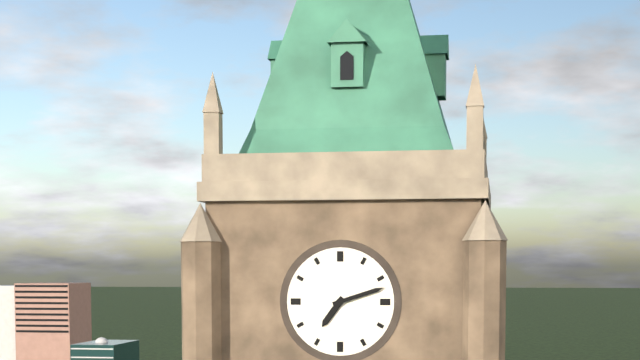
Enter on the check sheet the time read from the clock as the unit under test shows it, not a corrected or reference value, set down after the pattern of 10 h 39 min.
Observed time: 7 h 12 min
